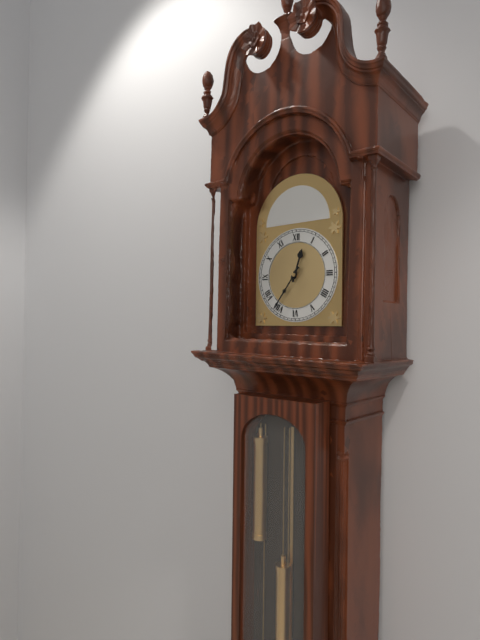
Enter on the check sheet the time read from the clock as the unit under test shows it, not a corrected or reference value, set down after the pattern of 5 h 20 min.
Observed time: 12 h 36 min
